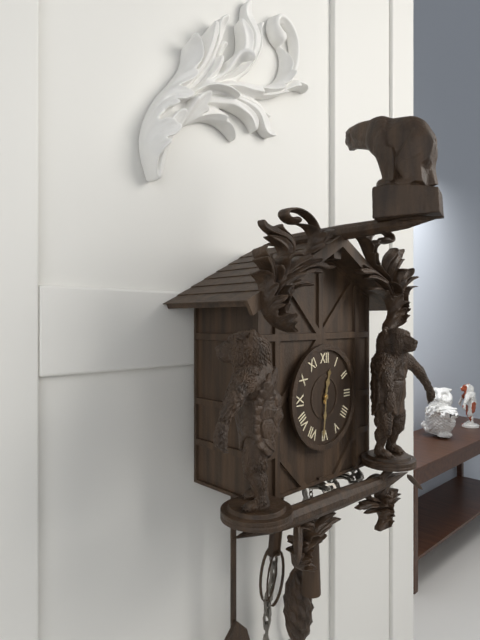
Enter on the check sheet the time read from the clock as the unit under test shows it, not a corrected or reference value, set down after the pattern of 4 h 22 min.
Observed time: 12 h 31 min
